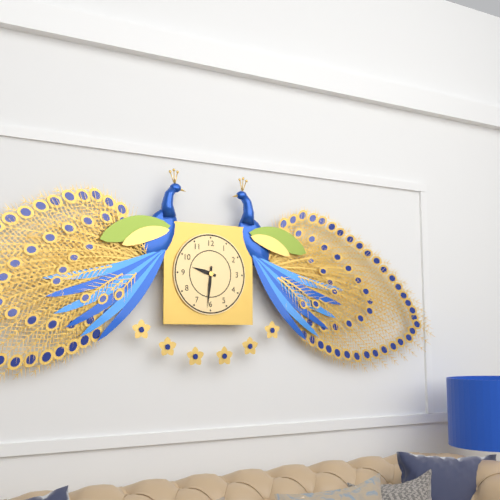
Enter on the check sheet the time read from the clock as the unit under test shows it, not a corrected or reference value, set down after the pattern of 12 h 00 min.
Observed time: 9 h 31 min
